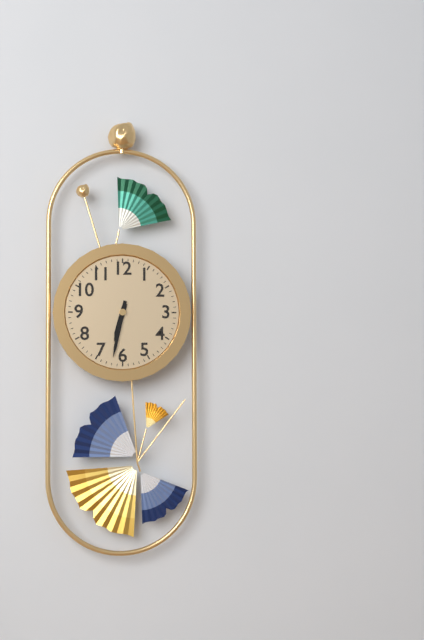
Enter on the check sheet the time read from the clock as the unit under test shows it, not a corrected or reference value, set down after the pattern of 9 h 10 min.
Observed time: 6 h 32 min
